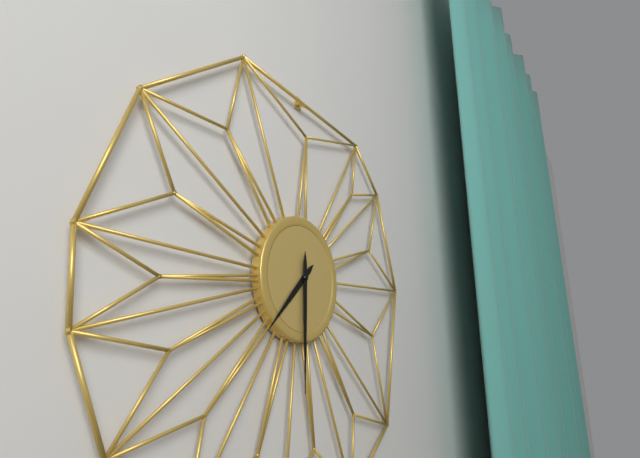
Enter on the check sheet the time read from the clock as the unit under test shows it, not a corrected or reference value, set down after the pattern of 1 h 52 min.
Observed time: 7 h 30 min
